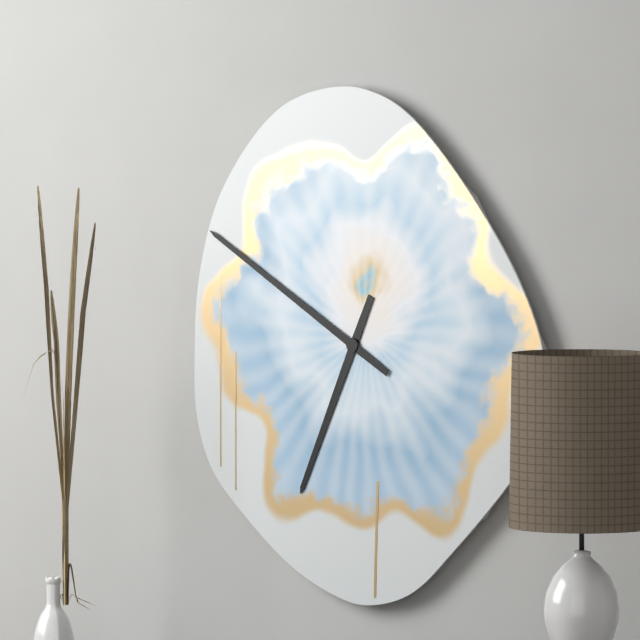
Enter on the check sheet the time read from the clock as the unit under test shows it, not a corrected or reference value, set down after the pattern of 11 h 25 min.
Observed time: 6 h 50 min
